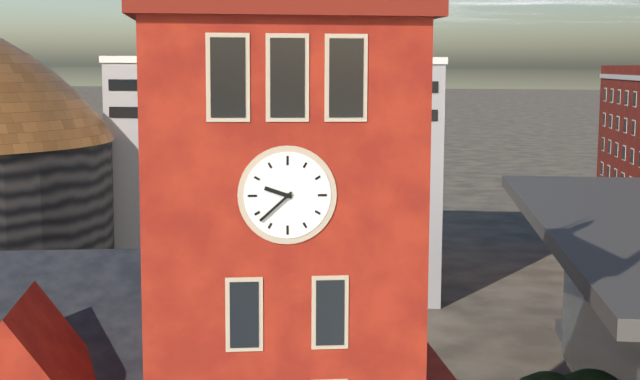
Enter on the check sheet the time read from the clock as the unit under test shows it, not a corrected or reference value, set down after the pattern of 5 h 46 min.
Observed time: 9 h 38 min
